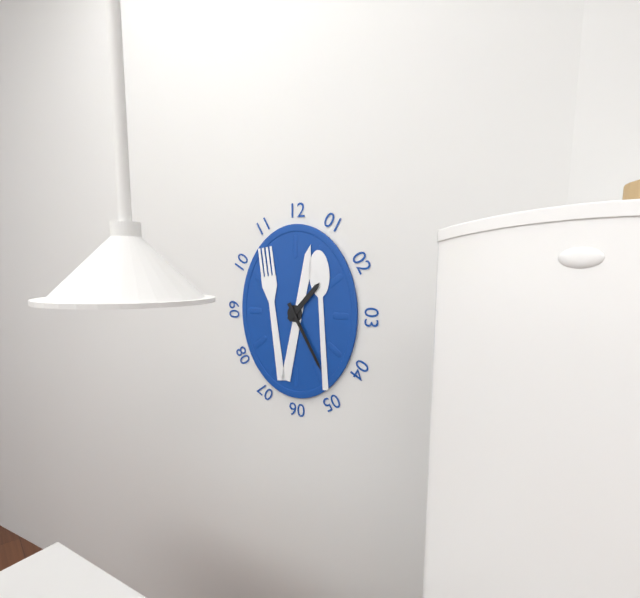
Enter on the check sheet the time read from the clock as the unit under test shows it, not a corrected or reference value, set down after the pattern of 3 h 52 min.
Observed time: 1 h 25 min
